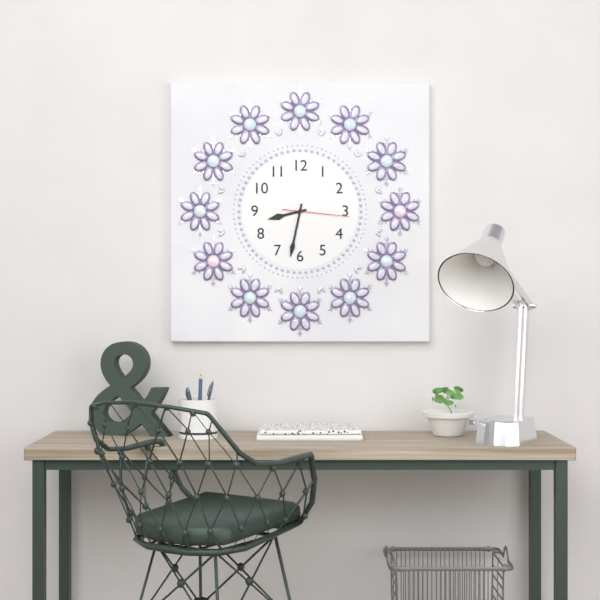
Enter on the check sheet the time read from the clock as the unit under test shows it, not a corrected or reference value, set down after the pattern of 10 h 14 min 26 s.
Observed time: 8 h 32 min 16 s
